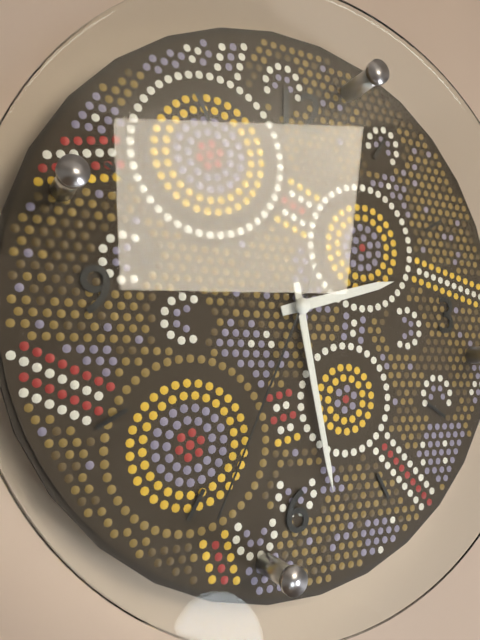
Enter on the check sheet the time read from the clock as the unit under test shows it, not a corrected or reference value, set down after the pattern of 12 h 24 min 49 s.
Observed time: 2 h 28 min 34 s
